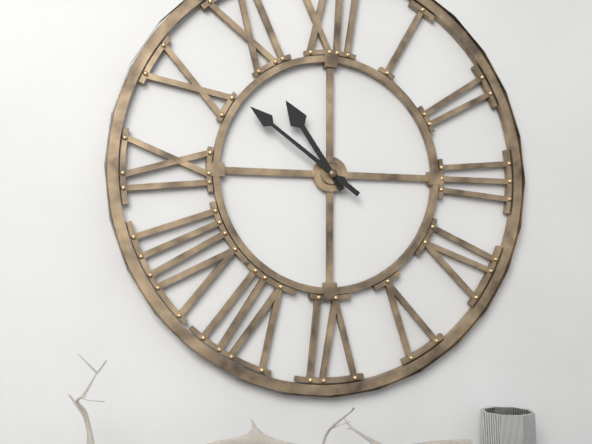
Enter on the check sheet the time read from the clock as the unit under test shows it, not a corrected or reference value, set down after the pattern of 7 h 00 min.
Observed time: 10 h 51 min
